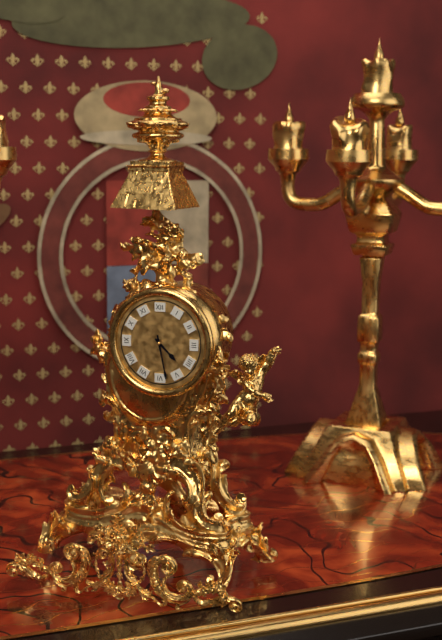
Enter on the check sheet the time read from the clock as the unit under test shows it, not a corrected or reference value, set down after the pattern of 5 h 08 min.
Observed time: 4 h 28 min
